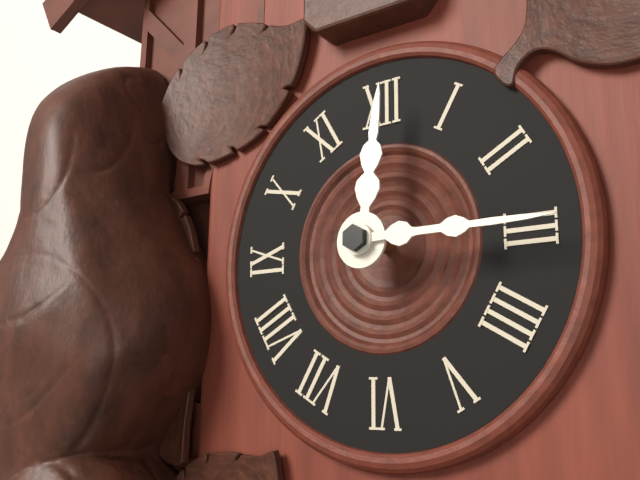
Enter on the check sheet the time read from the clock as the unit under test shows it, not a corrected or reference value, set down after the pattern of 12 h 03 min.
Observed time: 12 h 15 min
